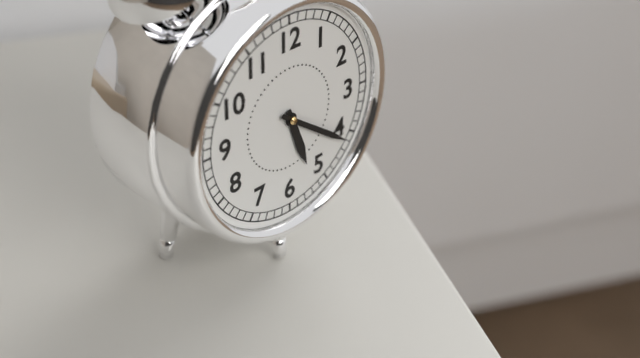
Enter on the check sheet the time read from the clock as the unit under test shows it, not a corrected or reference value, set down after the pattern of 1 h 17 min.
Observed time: 5 h 21 min
